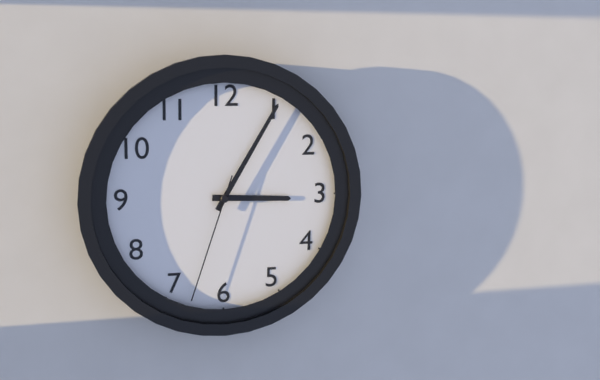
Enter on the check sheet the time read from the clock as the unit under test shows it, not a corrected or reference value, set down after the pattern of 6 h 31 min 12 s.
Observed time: 3 h 05 min 33 s
